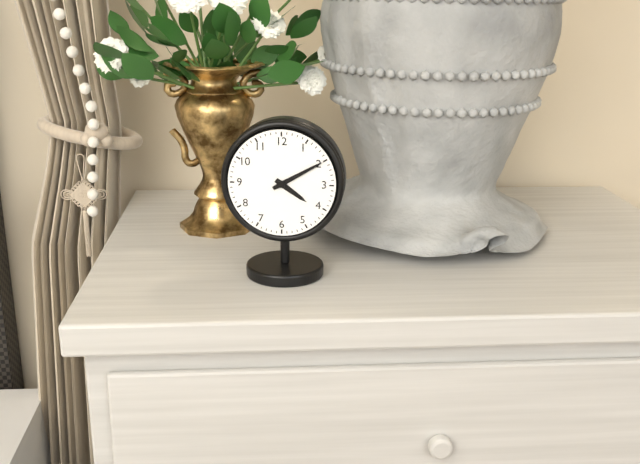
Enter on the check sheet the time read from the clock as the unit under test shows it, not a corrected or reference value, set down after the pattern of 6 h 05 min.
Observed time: 4 h 10 min
